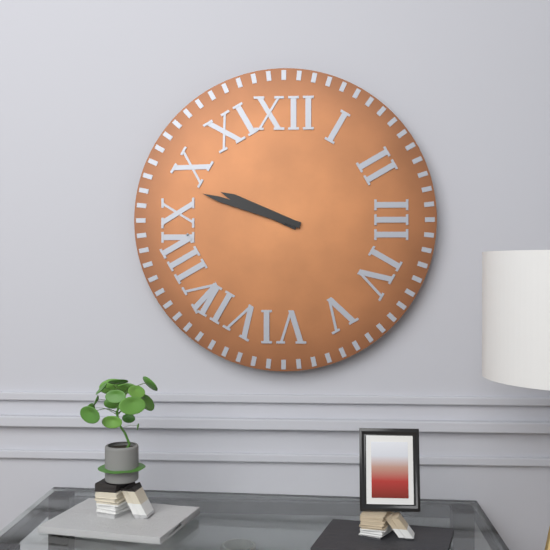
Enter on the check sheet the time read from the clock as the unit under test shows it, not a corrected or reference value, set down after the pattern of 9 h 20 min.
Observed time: 9 h 48 min
